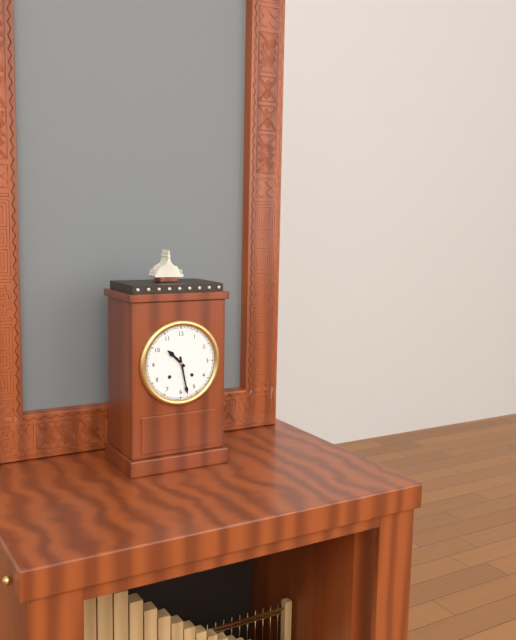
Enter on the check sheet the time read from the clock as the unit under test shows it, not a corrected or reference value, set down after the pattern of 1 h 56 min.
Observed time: 10 h 28 min
